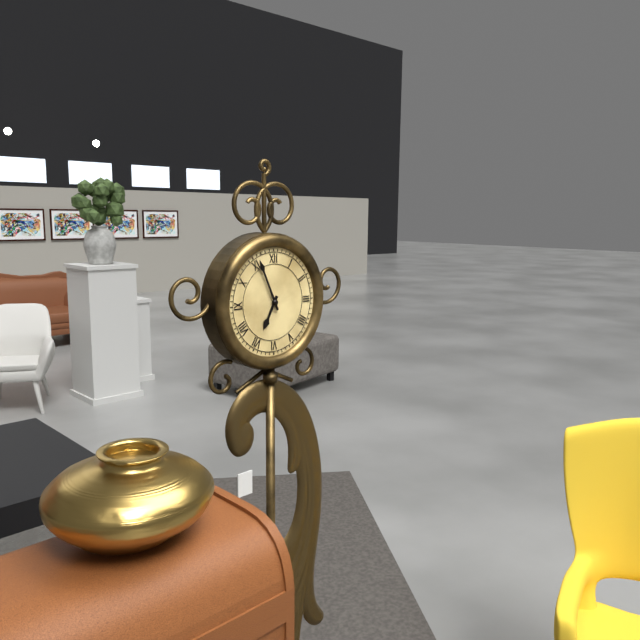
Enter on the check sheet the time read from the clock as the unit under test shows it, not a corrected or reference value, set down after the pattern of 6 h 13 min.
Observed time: 6 h 56 min
